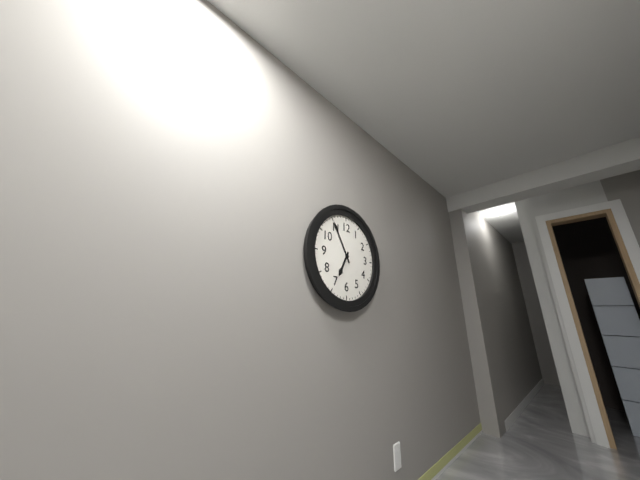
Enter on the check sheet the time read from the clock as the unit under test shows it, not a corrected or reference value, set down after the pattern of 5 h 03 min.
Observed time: 6 h 55 min
